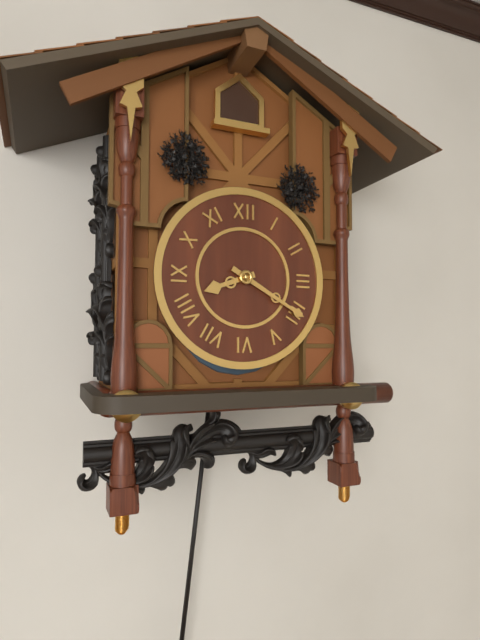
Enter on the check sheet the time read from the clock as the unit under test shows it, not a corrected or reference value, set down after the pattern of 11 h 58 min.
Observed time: 8 h 20 min
